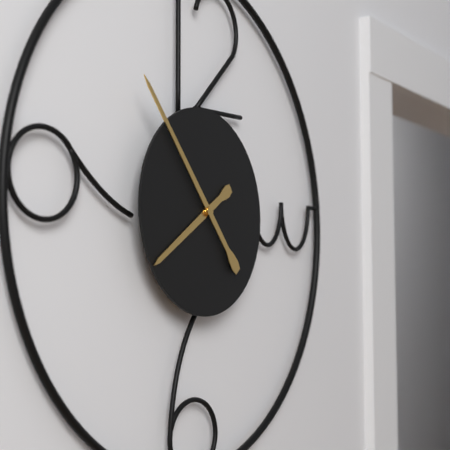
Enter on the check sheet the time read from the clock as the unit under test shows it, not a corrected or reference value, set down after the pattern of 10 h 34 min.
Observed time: 7 h 53 min
